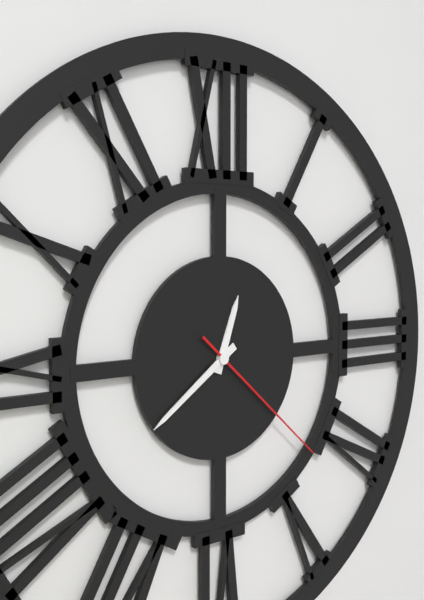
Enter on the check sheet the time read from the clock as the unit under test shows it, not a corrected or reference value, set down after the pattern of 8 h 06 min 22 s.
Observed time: 12 h 39 min 22 s
